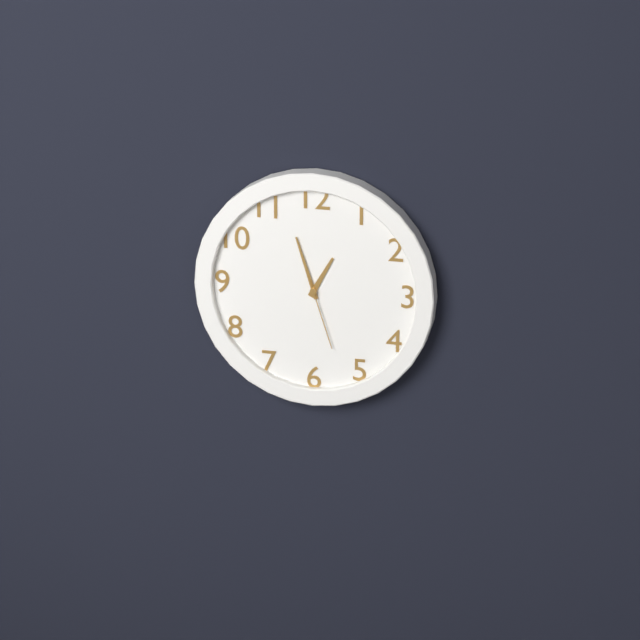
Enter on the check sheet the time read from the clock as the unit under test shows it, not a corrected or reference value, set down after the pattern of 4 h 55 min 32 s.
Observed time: 12 h 57 min 27 s
